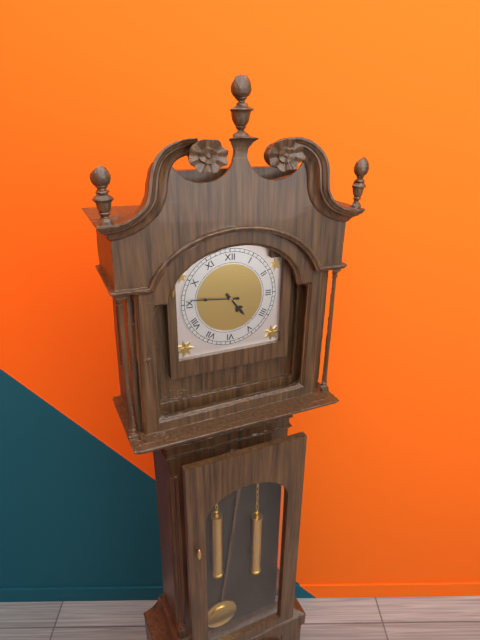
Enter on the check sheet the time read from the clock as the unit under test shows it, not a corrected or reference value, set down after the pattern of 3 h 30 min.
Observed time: 4 h 46 min
